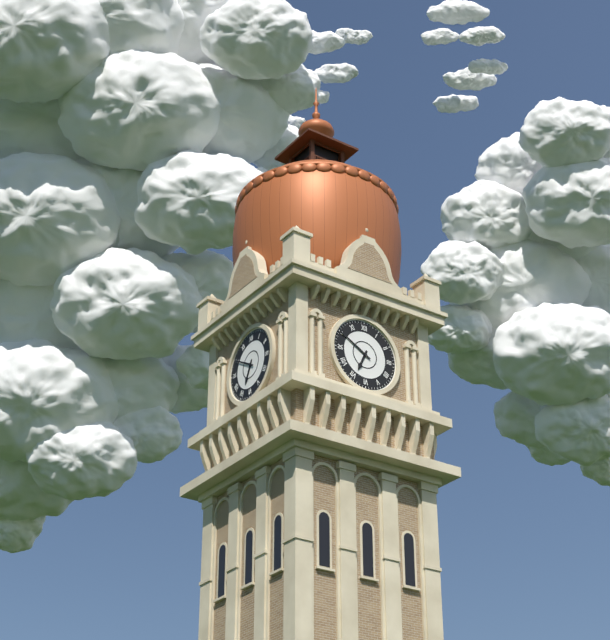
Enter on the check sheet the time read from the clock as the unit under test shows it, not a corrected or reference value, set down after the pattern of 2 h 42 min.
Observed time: 6 h 50 min
